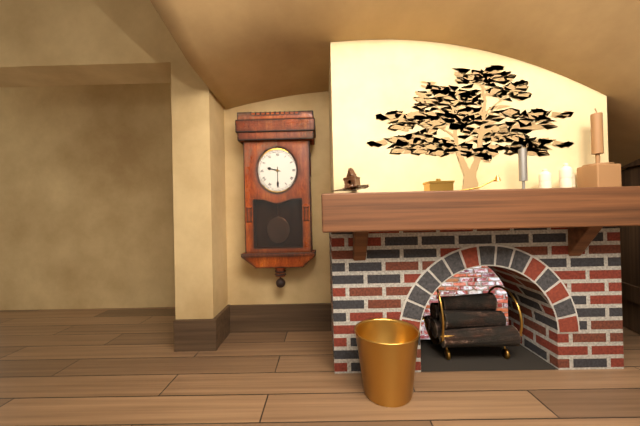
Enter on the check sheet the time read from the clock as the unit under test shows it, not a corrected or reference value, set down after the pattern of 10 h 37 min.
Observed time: 9 h 30 min
